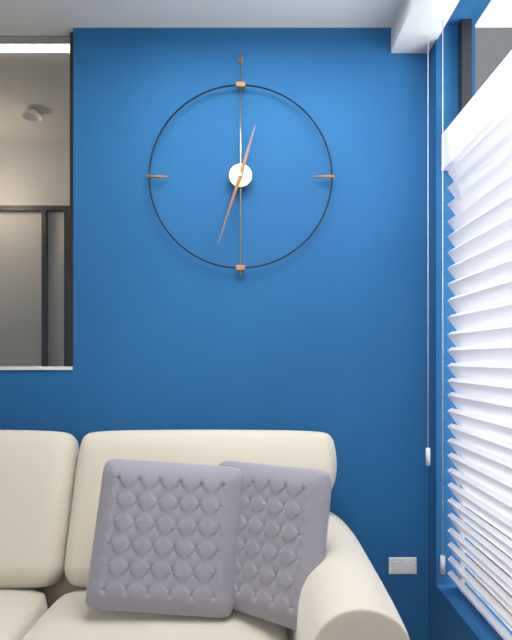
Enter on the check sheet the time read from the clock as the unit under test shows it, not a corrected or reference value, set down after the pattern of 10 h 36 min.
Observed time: 12 h 33 min
